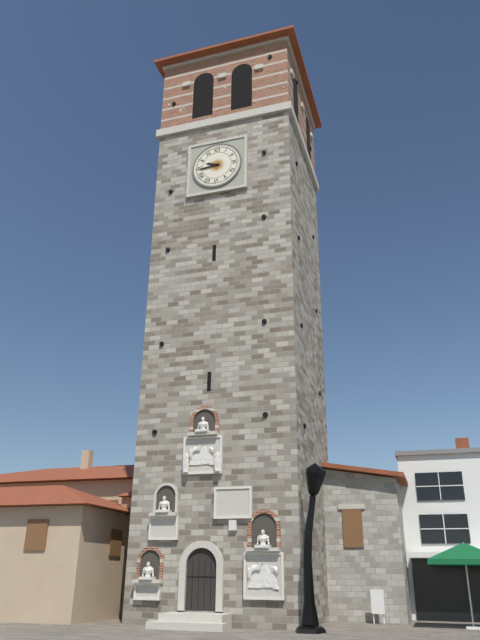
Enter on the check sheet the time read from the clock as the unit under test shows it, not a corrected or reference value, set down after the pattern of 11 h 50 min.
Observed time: 9 h 44 min
